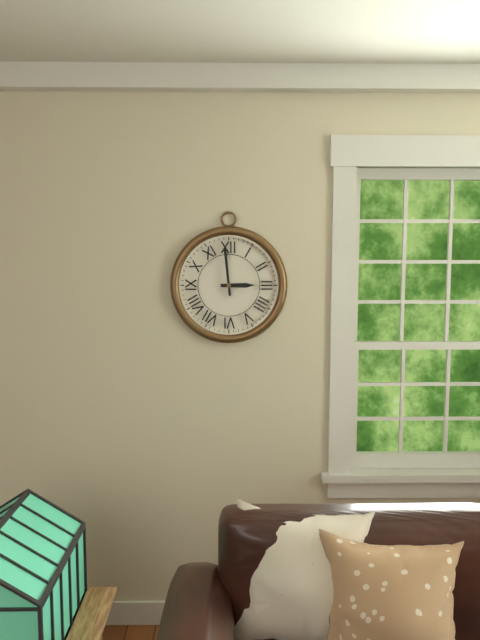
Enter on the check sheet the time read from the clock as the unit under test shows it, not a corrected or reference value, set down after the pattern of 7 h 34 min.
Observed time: 2 h 59 min
